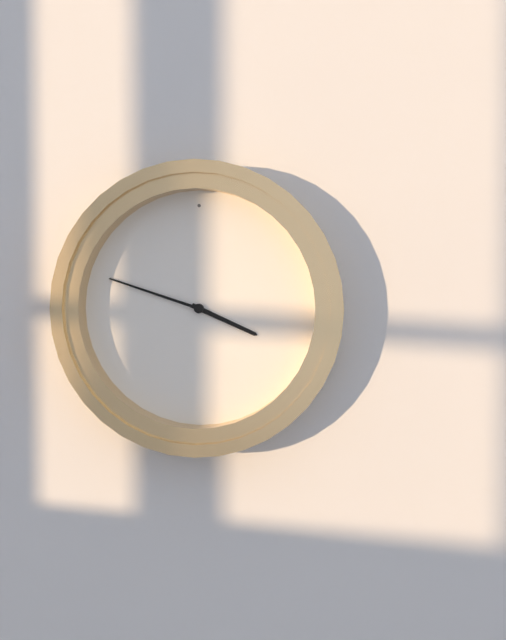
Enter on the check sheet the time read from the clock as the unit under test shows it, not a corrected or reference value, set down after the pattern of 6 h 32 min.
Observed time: 3 h 48 min
